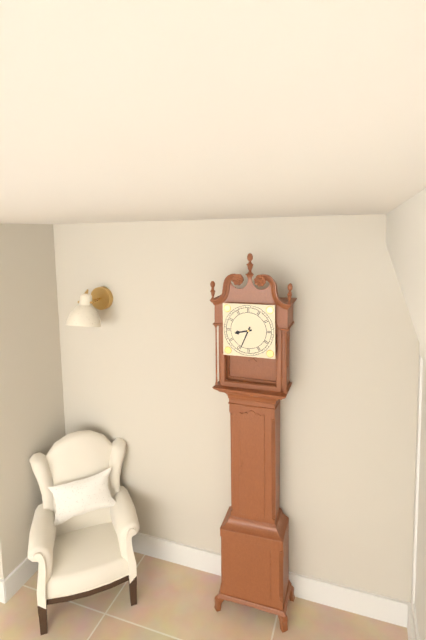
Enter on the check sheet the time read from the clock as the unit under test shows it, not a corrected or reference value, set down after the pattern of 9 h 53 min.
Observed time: 8 h 34 min
